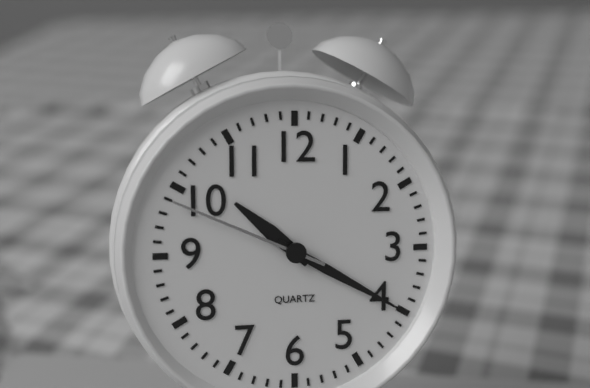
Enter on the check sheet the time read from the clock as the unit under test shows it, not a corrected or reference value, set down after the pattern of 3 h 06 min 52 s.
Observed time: 10 h 20 min 49 s
